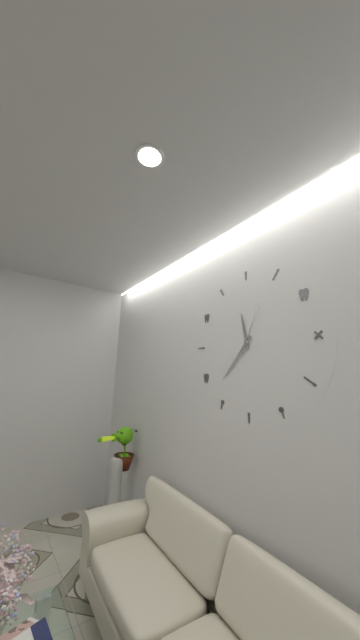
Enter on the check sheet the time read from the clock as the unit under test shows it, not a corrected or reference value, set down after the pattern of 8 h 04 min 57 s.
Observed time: 11 h 37 min 04 s
